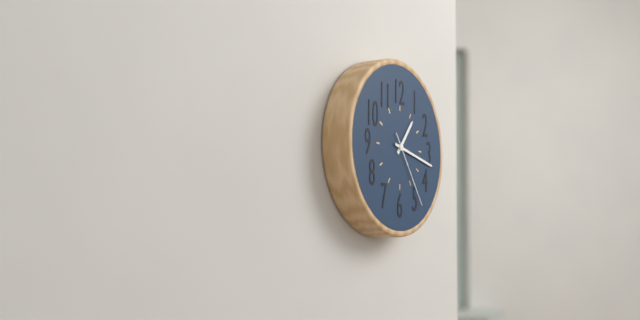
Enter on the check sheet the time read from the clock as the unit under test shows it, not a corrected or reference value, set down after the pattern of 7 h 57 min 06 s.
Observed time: 1 h 17 min 24 s
